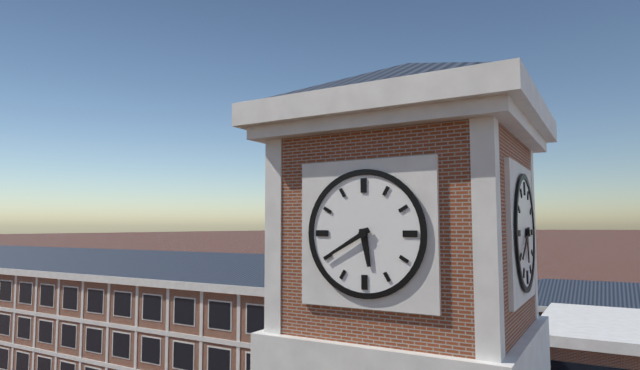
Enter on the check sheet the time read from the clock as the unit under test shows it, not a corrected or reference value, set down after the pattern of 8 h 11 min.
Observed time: 5 h 40 min
